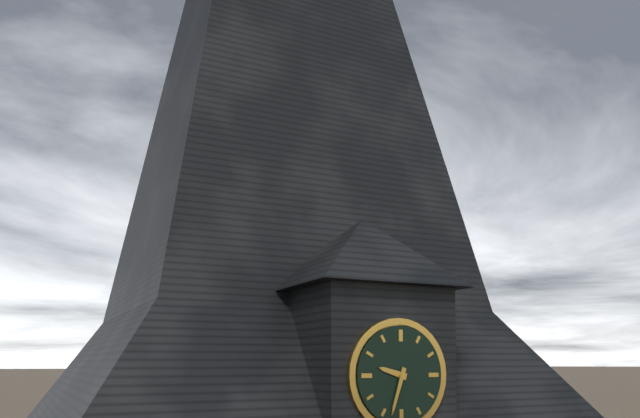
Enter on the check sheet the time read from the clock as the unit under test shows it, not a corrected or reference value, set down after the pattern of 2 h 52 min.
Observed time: 9 h 33 min
